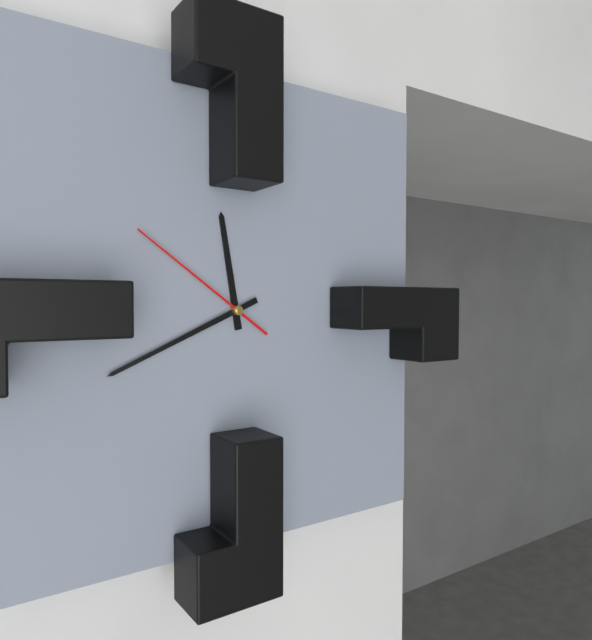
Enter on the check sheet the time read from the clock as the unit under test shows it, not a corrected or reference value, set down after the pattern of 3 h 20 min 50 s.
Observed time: 11 h 41 min 51 s
